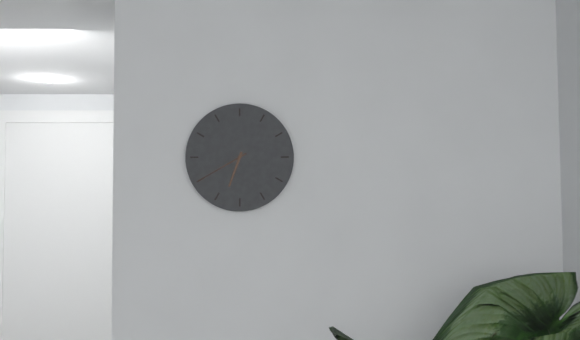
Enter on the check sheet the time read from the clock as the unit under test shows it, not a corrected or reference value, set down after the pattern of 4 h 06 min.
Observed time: 6 h 40 min
